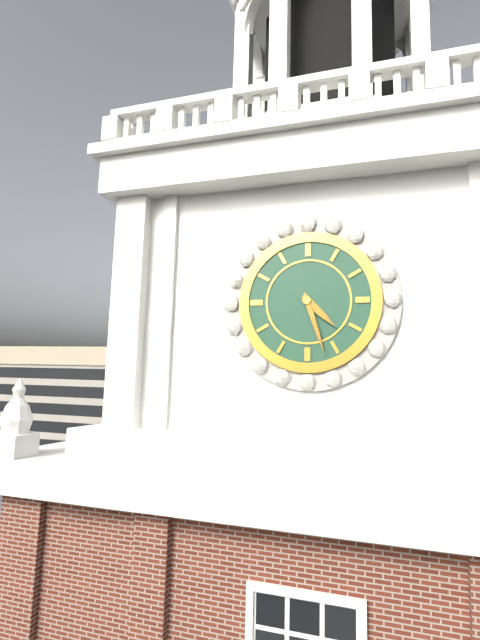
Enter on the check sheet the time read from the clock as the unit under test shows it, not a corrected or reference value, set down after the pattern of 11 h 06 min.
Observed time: 4 h 27 min
